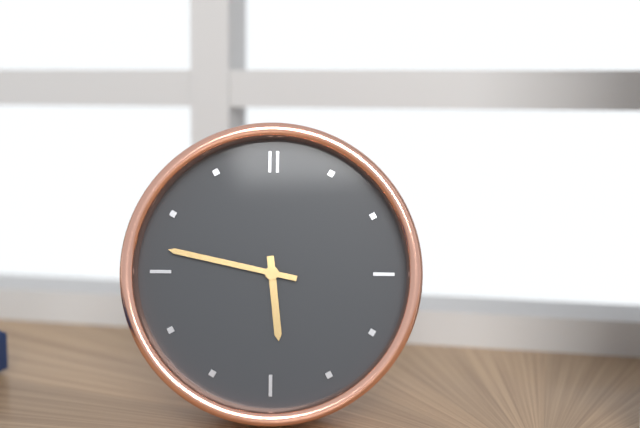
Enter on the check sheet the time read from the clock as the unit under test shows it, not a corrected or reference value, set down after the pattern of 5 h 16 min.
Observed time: 5 h 47 min
